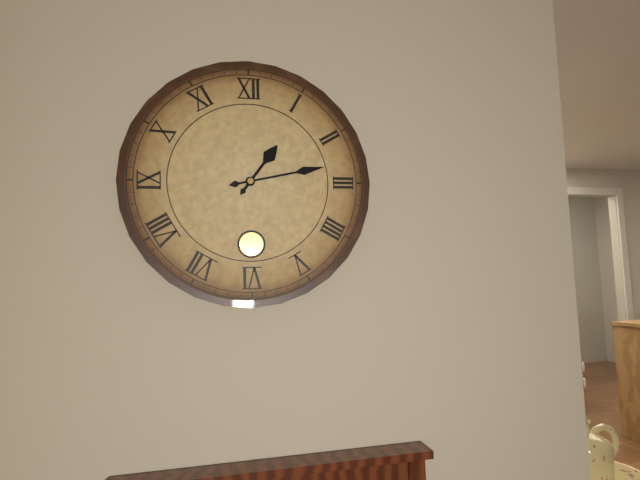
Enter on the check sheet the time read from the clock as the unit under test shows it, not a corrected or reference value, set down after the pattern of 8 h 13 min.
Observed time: 1 h 13 min
